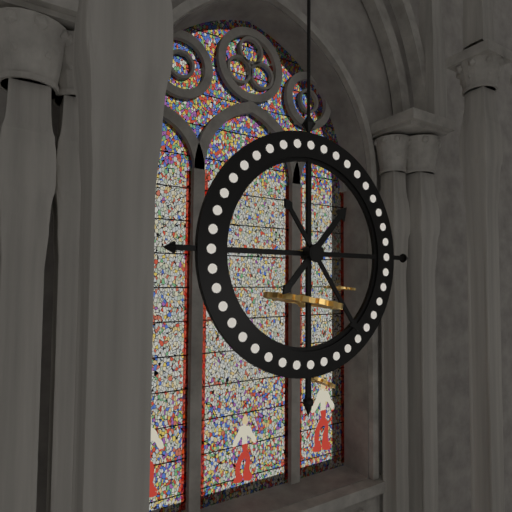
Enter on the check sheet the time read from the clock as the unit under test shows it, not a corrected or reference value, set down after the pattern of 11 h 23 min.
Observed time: 1 h 24 min
